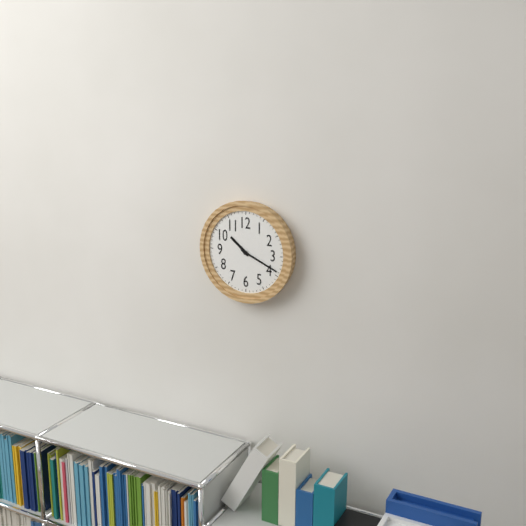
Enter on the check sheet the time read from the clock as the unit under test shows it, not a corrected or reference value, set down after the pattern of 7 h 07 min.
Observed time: 10 h 19 min
